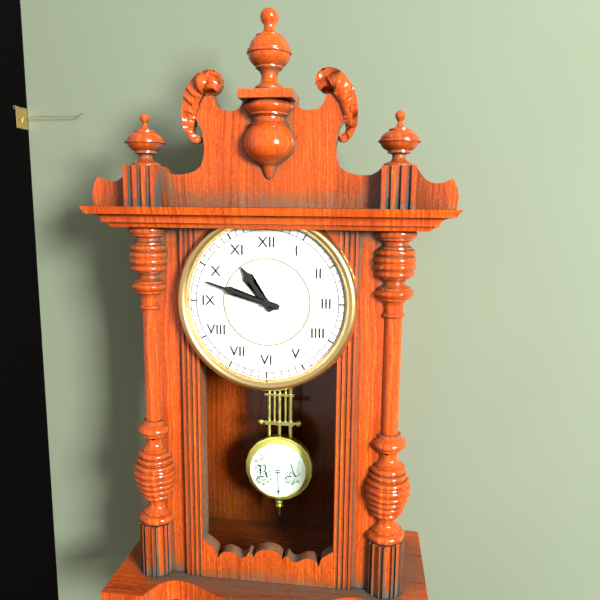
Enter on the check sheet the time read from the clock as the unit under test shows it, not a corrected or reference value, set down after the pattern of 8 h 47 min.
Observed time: 10 h 48 min
